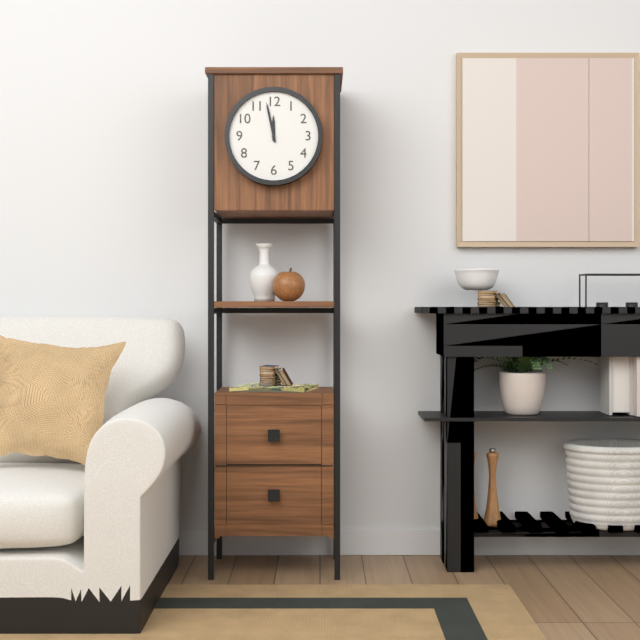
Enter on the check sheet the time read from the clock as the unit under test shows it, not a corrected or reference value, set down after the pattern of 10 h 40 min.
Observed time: 11 h 58 min
